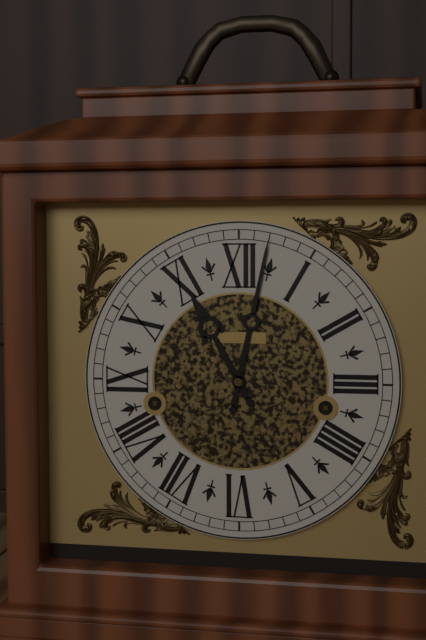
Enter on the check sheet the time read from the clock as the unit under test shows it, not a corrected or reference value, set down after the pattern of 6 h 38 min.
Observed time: 11 h 02 min
